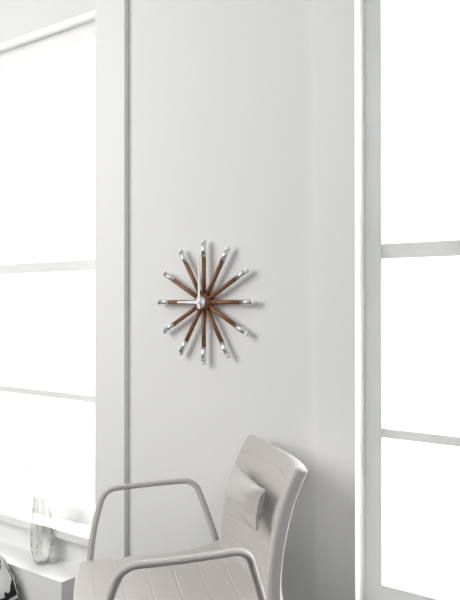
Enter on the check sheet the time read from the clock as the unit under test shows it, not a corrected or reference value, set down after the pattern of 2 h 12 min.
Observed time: 9 h 00 min
